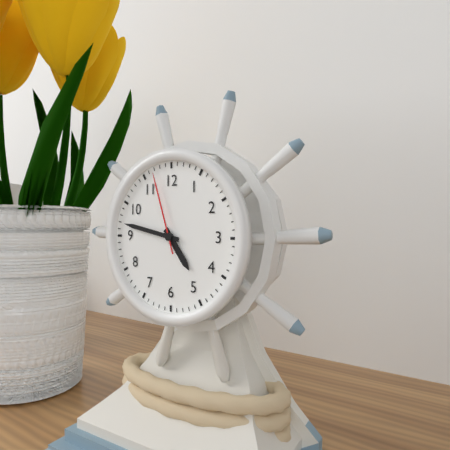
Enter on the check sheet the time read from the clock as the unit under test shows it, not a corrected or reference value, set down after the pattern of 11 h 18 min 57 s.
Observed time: 4 h 47 min 57 s
